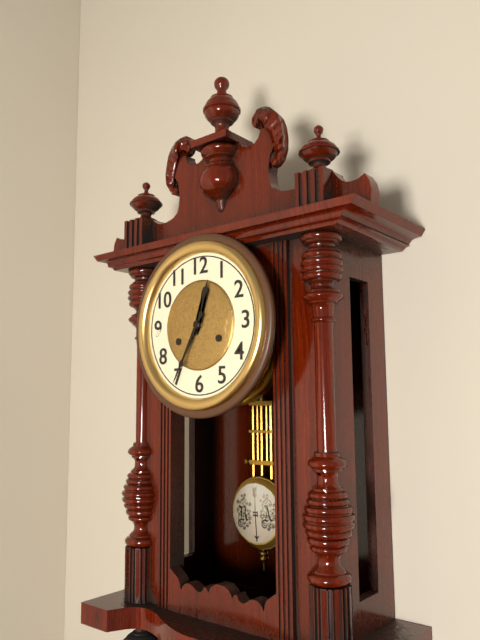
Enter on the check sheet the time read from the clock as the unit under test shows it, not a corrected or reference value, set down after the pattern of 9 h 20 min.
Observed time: 12 h 35 min
